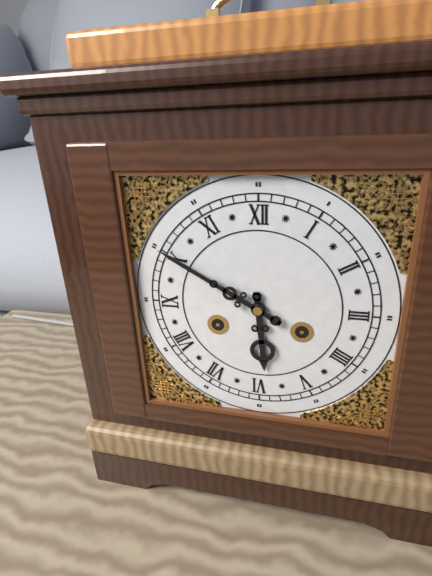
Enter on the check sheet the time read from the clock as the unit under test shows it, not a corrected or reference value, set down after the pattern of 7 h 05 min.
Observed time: 5 h 50 min
